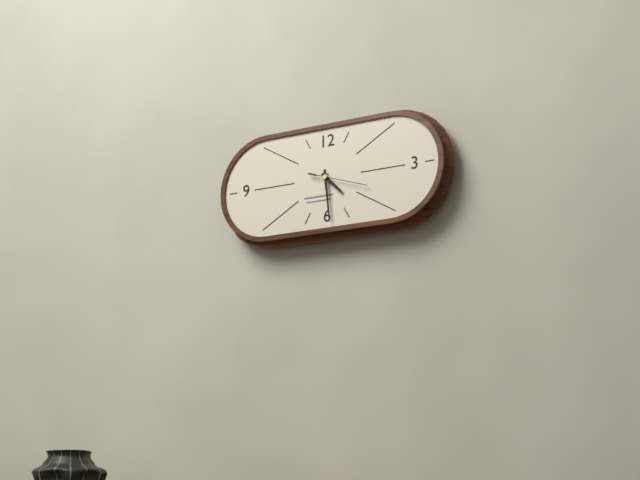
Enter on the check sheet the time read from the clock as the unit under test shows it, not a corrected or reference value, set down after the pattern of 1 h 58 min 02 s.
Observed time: 4 h 29 min 18 s
